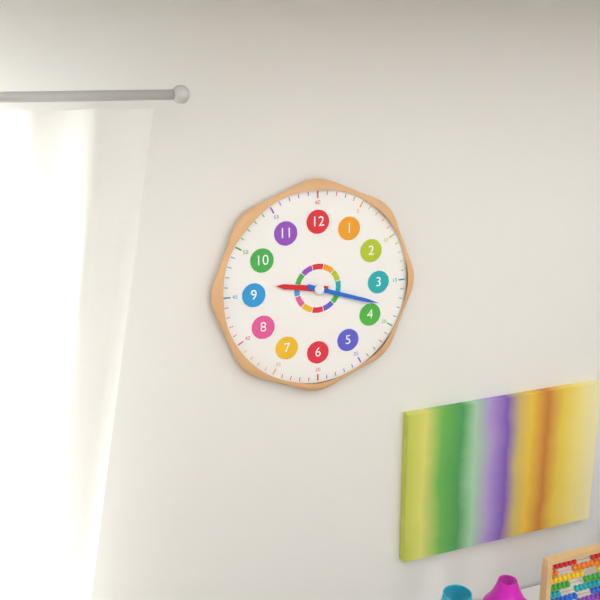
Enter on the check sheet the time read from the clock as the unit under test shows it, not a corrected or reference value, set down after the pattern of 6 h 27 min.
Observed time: 9 h 18 min
